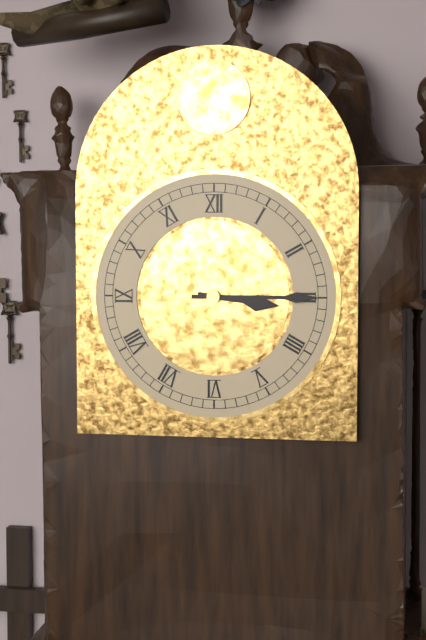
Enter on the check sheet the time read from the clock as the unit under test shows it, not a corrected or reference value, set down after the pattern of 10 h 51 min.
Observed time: 3 h 15 min
